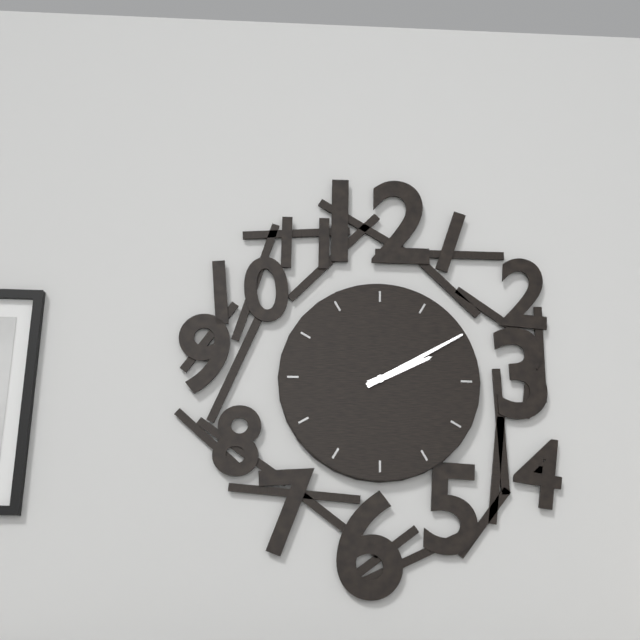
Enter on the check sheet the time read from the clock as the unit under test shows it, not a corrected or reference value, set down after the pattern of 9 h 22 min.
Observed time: 2 h 10 min
